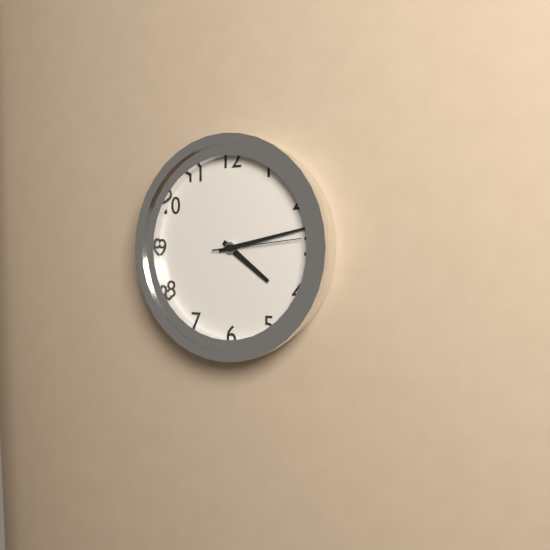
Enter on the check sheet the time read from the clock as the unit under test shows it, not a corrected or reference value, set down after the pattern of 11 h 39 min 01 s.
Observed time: 4 h 13 min 14 s
